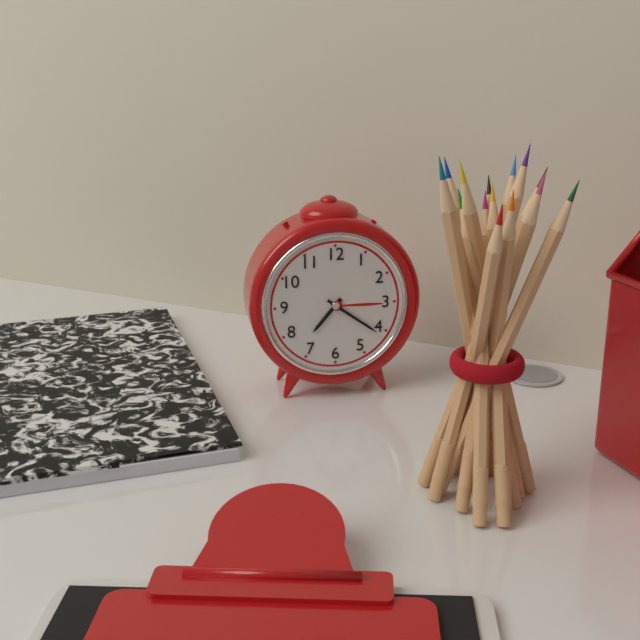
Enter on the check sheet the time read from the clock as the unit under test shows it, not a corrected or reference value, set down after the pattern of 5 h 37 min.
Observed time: 7 h 21 min
